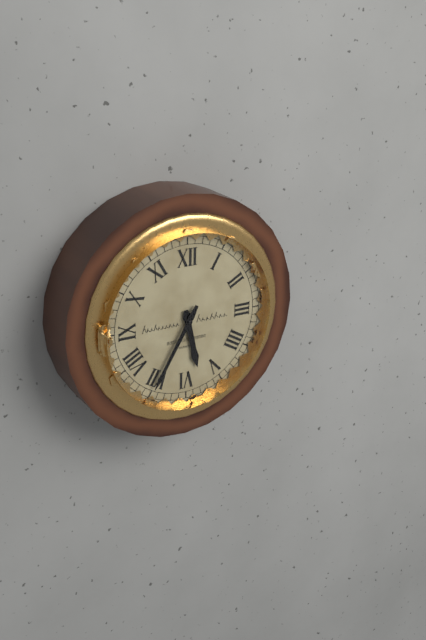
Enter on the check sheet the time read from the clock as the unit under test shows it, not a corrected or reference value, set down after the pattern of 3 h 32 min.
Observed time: 5 h 35 min
